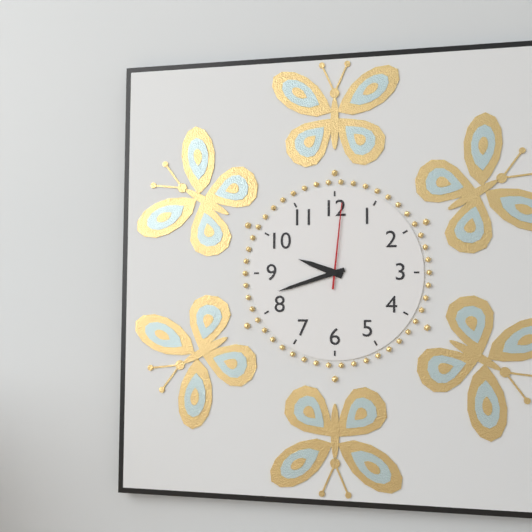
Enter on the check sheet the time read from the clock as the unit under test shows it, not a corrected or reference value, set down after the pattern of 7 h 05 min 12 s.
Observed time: 9 h 42 min 01 s
